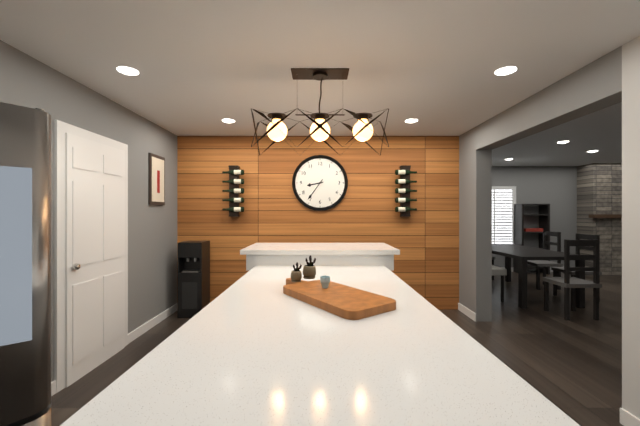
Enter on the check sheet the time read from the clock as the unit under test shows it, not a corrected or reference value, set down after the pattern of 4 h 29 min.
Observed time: 8 h 36 min
